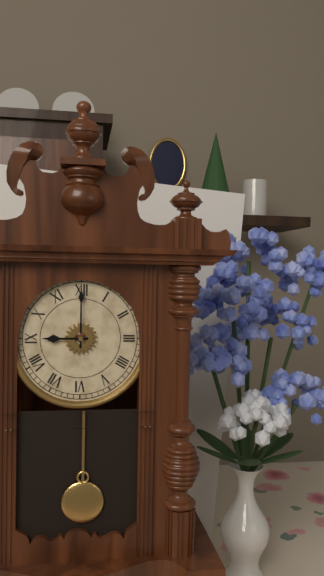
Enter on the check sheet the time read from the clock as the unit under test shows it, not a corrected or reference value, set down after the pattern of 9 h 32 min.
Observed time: 9 h 00 min
